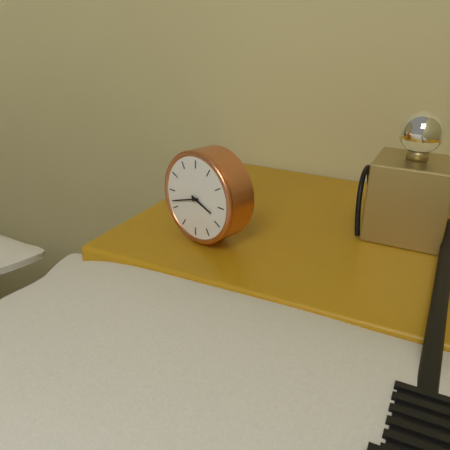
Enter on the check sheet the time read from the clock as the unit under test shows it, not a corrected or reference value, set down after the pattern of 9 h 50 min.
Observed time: 3 h 42 min
